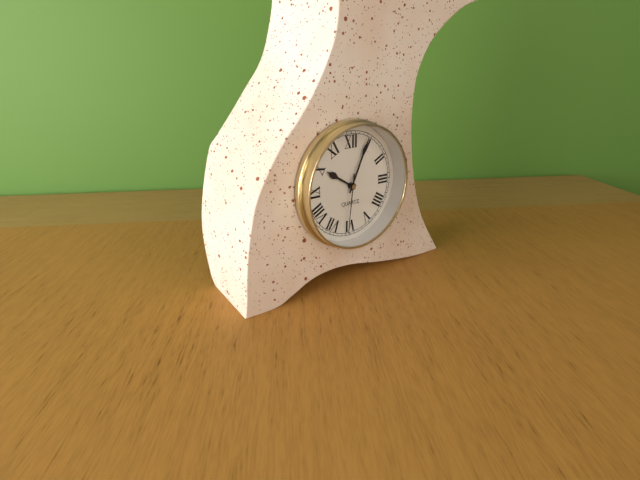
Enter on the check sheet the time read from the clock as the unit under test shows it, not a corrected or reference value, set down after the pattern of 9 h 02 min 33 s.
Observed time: 10 h 04 min 31 s
